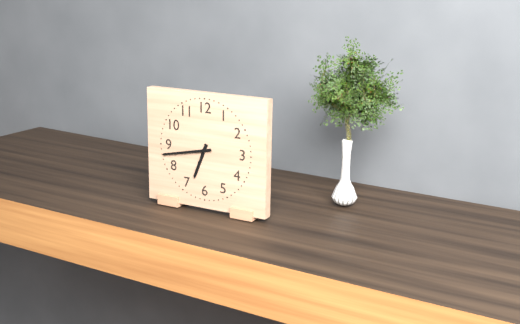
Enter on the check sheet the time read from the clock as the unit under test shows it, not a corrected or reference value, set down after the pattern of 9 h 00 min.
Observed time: 6 h 43 min
